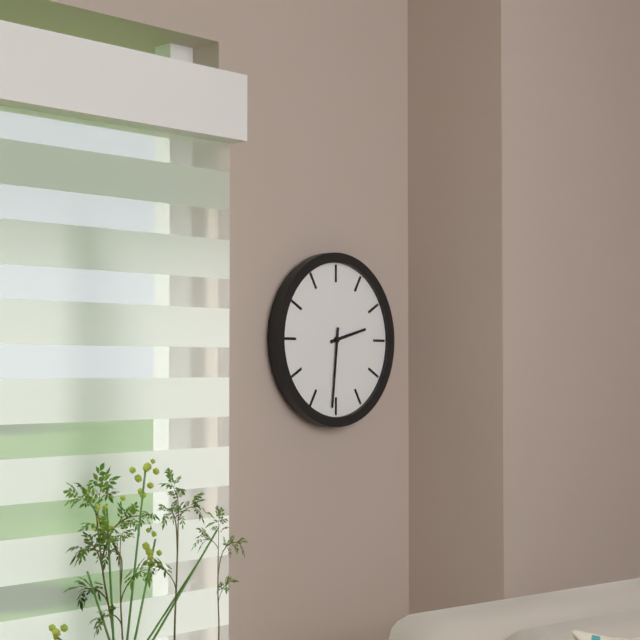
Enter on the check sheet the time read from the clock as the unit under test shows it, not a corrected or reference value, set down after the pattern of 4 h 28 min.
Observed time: 2 h 31 min
